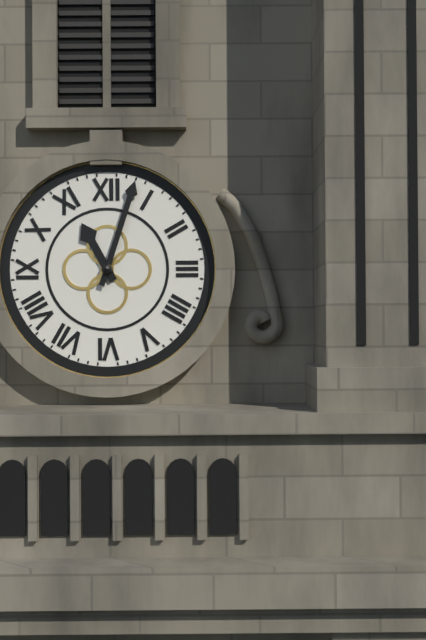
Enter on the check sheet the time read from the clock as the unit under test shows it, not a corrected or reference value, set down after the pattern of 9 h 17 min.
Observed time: 11 h 03 min
